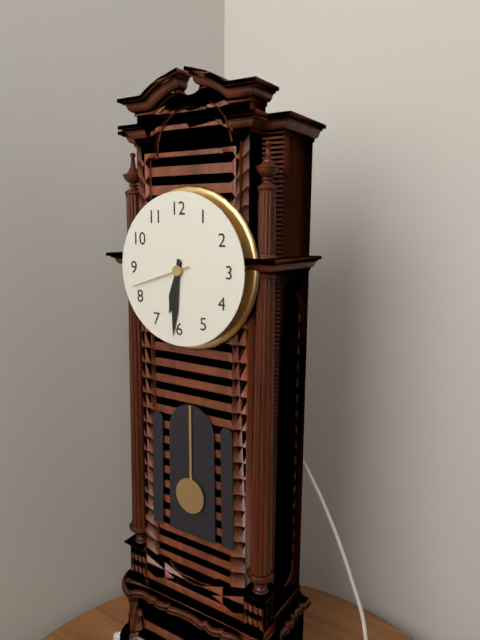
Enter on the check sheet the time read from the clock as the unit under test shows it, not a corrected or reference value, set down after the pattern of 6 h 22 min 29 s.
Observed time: 6 h 31 min 42 s
